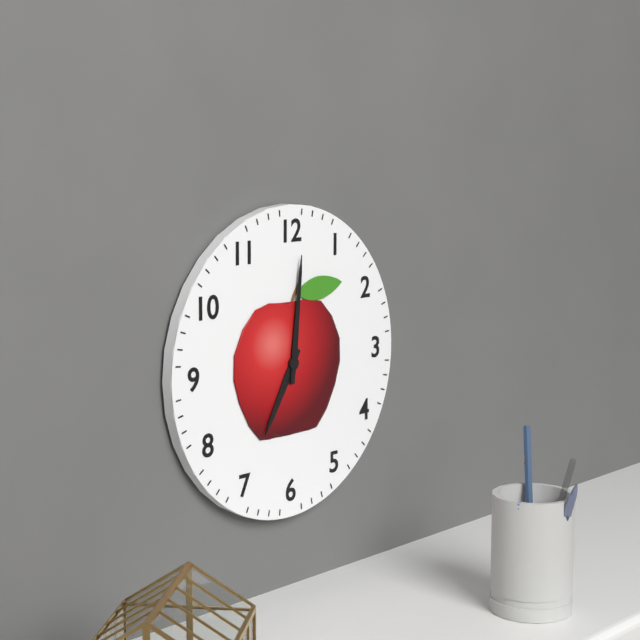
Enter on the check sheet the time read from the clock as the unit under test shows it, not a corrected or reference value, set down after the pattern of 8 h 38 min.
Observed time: 7 h 01 min
